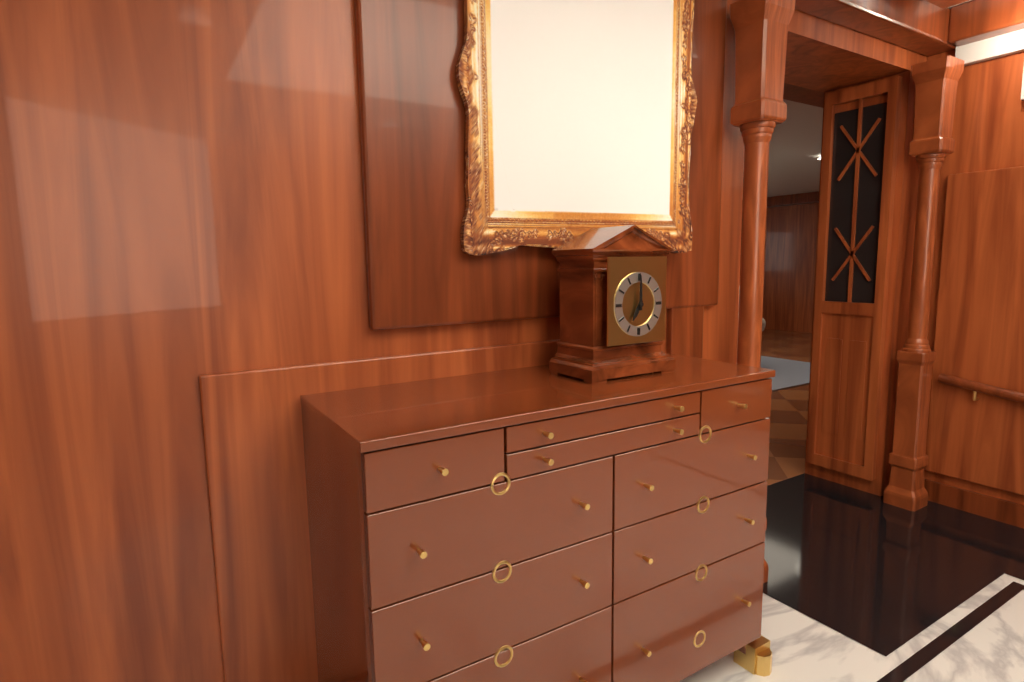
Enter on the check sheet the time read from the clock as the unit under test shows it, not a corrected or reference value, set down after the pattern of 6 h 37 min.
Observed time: 7 h 00 min
